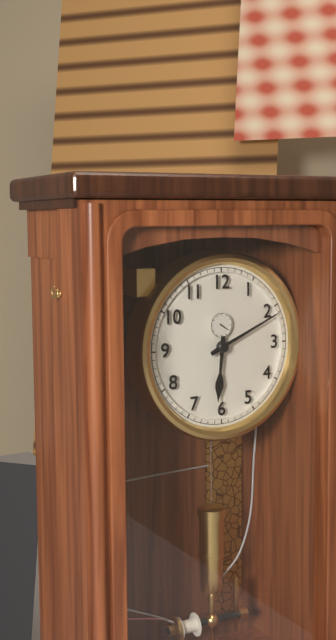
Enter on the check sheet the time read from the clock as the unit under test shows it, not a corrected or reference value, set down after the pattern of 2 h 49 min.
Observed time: 6 h 11 min
